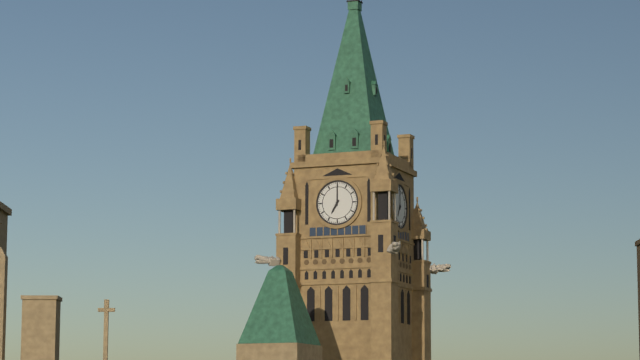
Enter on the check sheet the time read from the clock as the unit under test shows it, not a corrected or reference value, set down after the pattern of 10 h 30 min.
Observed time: 7 h 00 min
